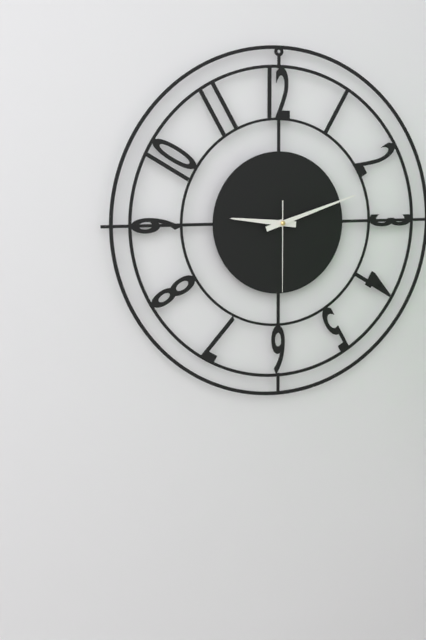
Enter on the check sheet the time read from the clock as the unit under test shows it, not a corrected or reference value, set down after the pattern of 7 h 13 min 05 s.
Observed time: 9 h 12 min 30 s
